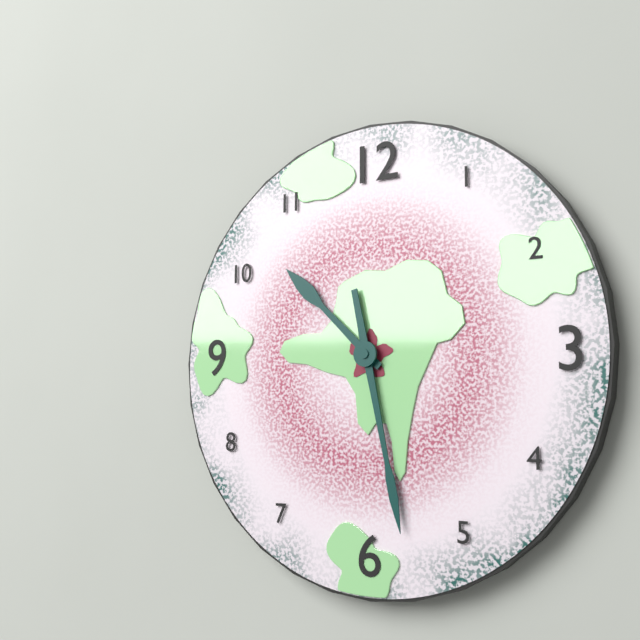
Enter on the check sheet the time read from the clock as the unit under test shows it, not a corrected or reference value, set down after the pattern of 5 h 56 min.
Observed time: 10 h 28 min
